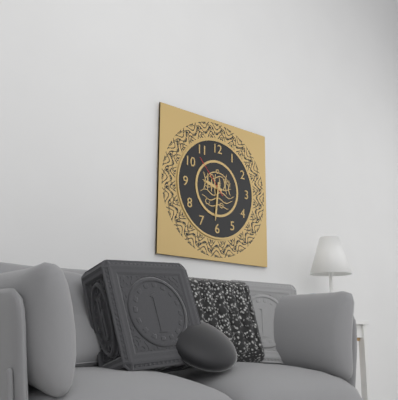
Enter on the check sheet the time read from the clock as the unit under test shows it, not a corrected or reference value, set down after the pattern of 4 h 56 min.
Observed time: 9 h 31 min
